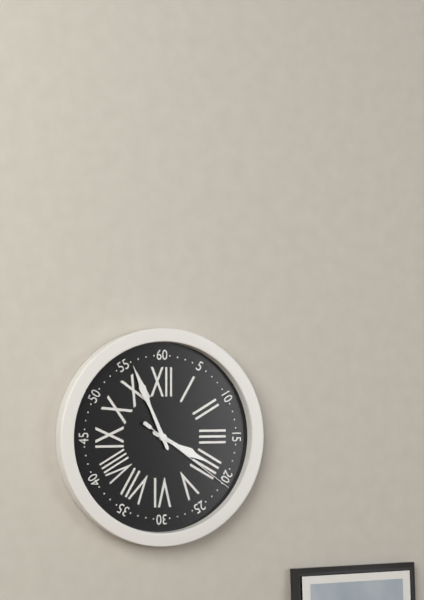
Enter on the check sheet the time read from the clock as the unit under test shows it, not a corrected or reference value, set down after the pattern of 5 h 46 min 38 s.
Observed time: 3 h 56 min 21 s
